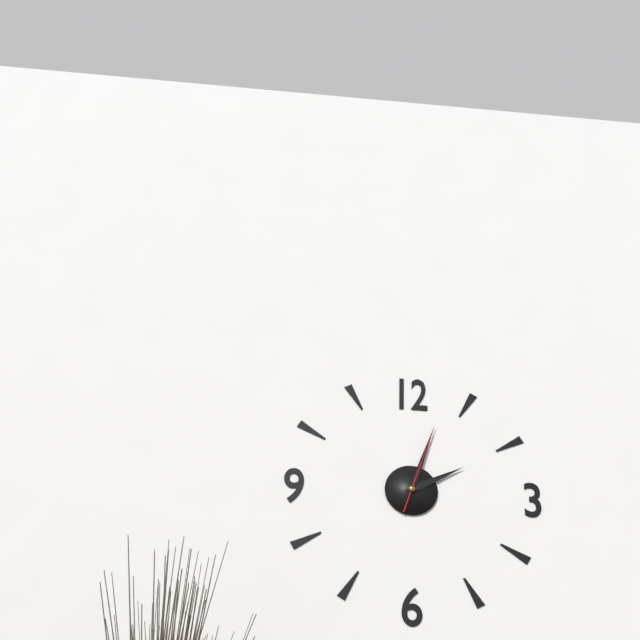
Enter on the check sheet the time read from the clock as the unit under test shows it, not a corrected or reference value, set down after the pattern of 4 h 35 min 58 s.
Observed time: 2 h 03 min 03 s
